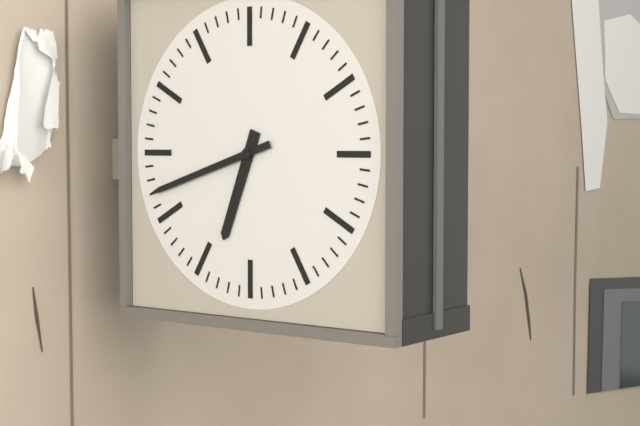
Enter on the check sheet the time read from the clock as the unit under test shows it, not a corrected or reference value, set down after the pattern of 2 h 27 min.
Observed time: 6 h 42 min
